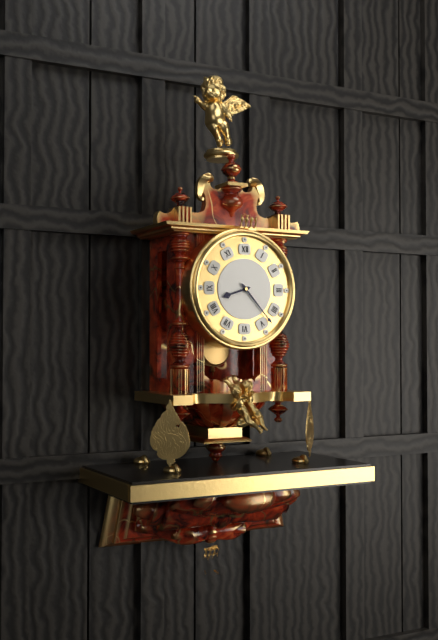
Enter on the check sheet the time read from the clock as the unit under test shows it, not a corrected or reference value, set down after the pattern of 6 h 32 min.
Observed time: 8 h 23 min
